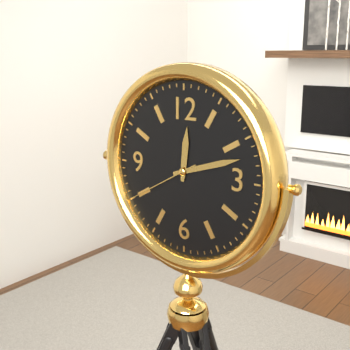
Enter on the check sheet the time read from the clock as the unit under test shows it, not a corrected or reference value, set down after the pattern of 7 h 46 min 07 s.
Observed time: 12 h 12 min 40 s
